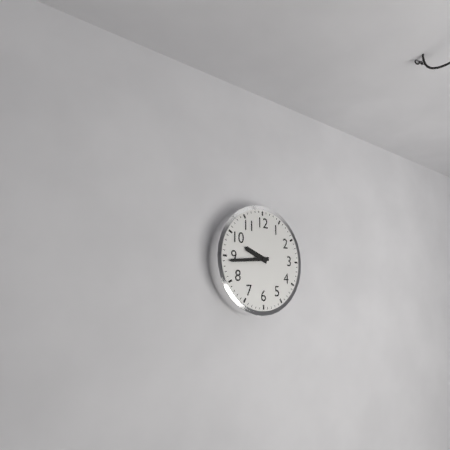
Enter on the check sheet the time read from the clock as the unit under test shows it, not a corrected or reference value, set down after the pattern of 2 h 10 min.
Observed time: 9 h 44 min
